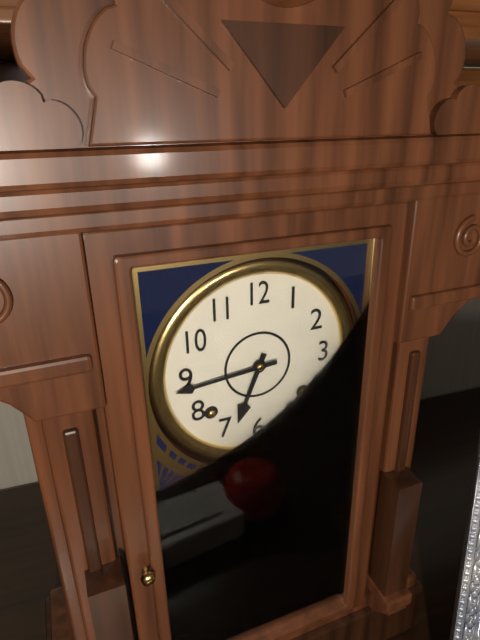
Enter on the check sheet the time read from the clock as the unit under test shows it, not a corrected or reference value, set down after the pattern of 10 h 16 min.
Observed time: 6 h 44 min
